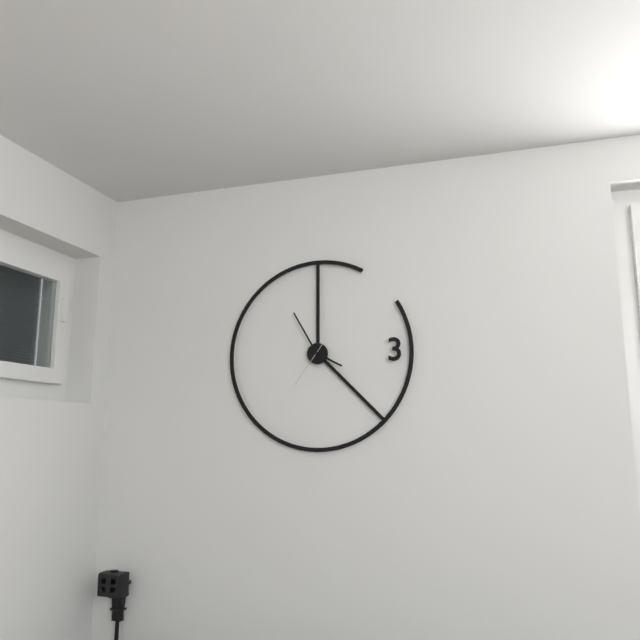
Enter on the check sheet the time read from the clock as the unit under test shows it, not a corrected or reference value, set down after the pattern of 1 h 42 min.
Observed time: 3 h 55 min
